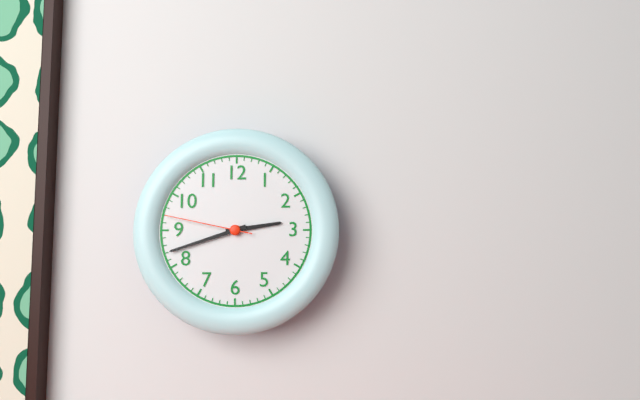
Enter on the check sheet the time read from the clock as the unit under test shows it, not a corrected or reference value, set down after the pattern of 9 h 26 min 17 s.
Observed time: 2 h 42 min 47 s
